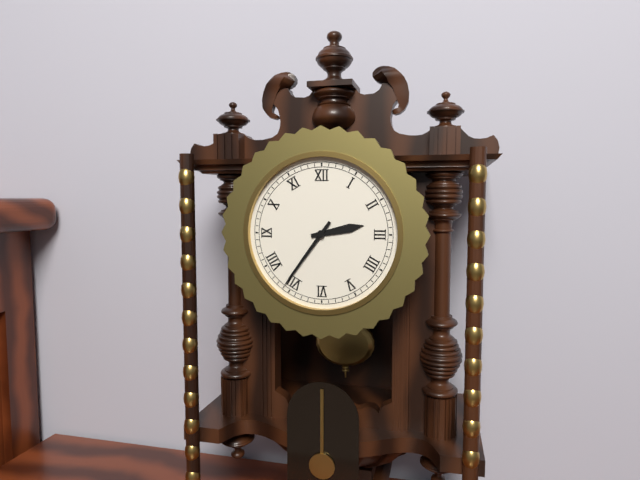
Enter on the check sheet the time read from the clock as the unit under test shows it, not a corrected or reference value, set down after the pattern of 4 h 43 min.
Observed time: 2 h 36 min
